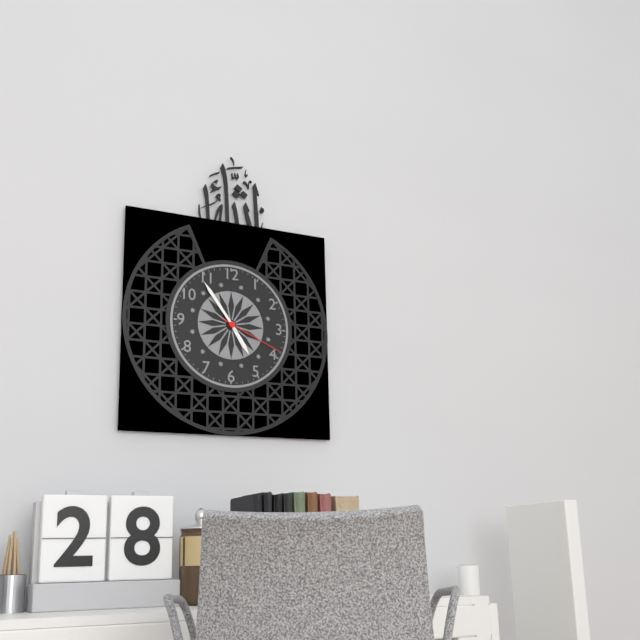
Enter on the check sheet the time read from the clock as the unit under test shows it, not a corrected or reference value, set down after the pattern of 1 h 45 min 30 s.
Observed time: 4 h 54 min 19 s
